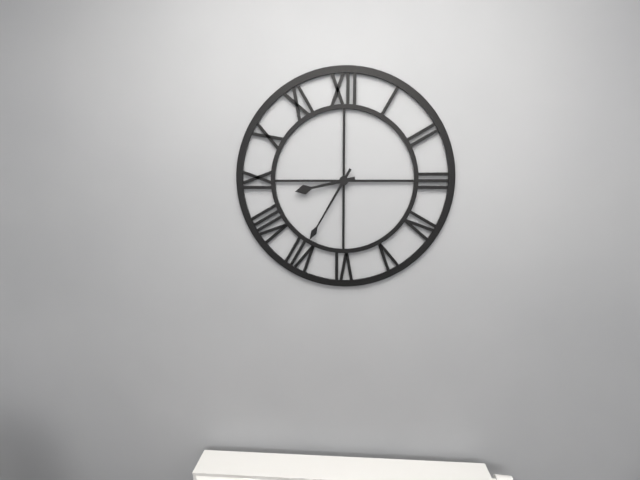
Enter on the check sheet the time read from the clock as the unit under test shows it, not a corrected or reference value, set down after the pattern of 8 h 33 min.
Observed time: 8 h 35 min
